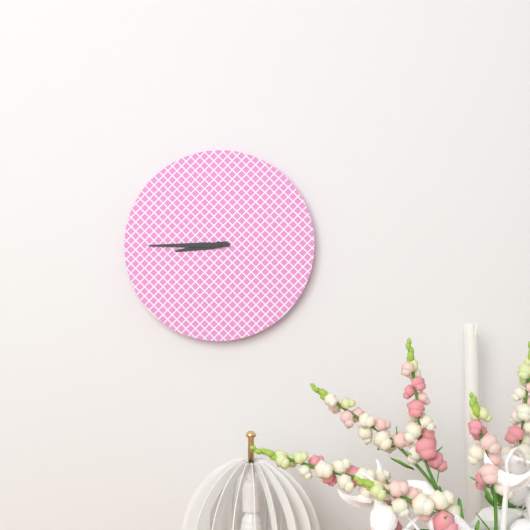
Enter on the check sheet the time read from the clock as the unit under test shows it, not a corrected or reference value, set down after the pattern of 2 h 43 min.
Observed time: 8 h 45 min
